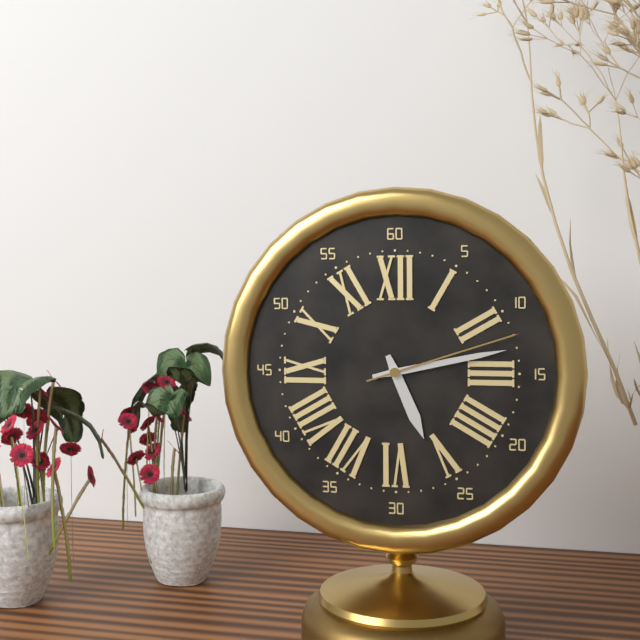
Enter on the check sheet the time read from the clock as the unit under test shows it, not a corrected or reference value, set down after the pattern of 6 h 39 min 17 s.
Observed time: 5 h 13 min 12 s
